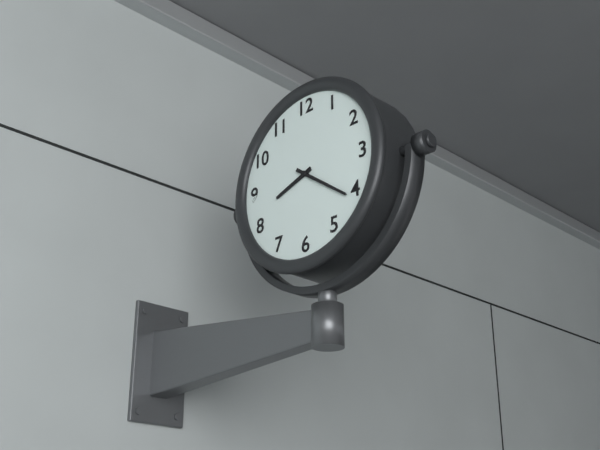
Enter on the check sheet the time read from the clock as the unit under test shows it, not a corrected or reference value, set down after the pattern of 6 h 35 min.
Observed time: 8 h 21 min
